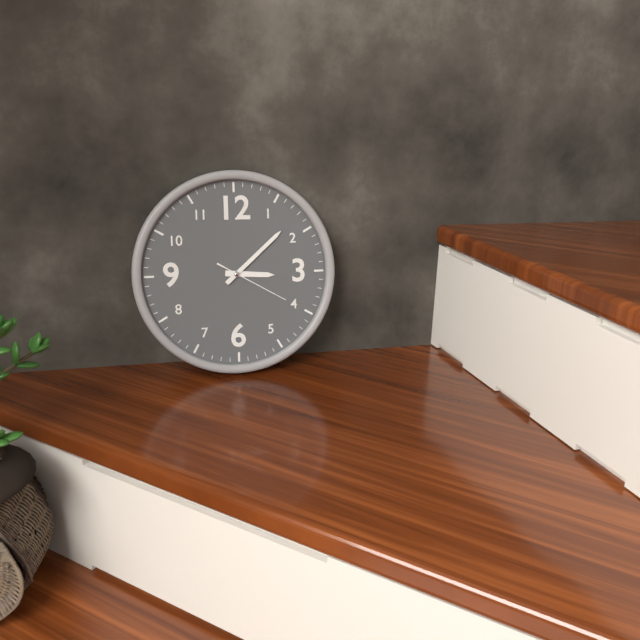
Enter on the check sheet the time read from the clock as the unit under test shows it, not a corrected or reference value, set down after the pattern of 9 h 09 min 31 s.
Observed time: 3 h 08 min 20 s
